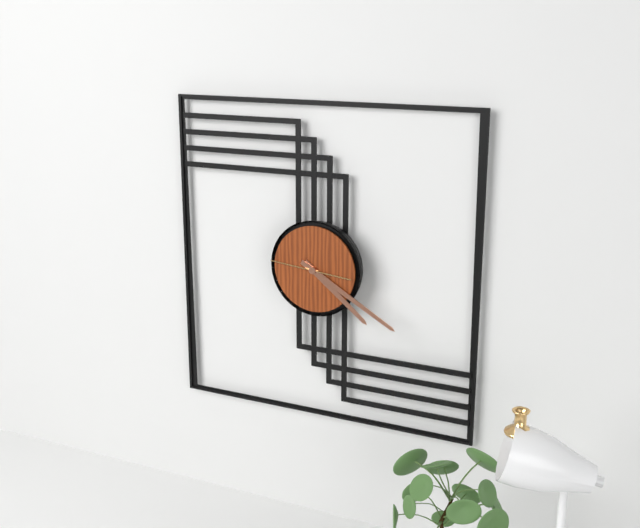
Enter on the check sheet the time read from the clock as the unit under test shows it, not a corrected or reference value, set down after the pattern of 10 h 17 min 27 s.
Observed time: 4 h 20 min 46 s
